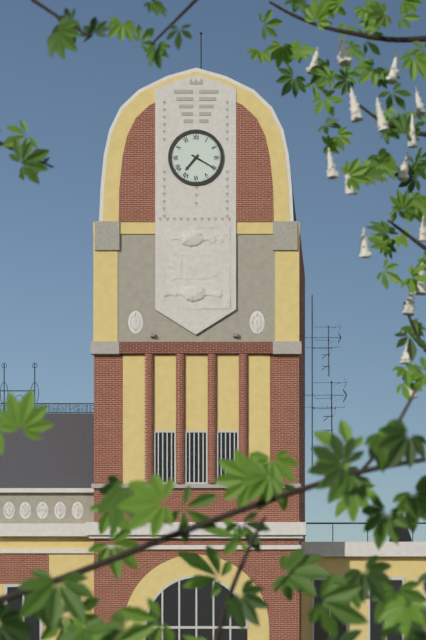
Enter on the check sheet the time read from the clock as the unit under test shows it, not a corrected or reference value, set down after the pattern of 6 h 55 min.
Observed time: 7 h 20 min
